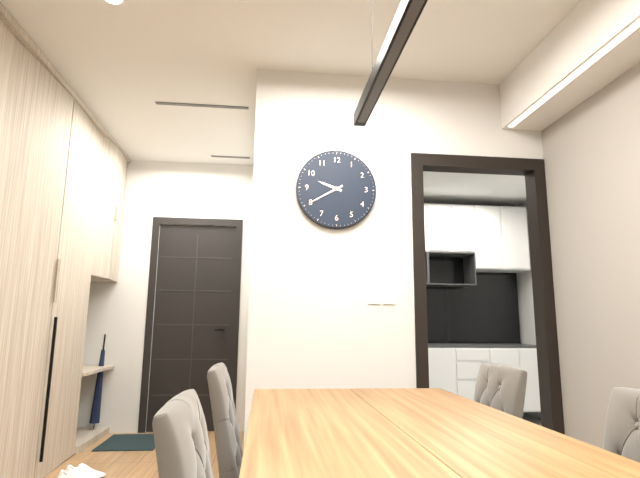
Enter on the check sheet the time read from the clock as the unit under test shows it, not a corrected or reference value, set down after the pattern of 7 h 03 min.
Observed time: 9 h 40 min
